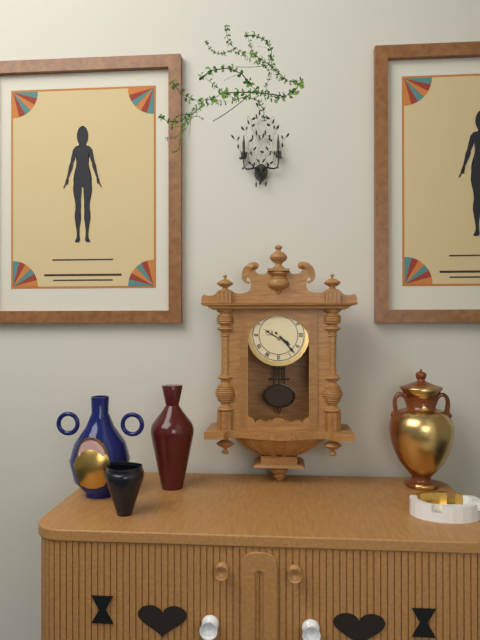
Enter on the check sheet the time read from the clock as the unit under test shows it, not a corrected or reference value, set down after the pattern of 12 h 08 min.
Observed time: 4 h 23 min
